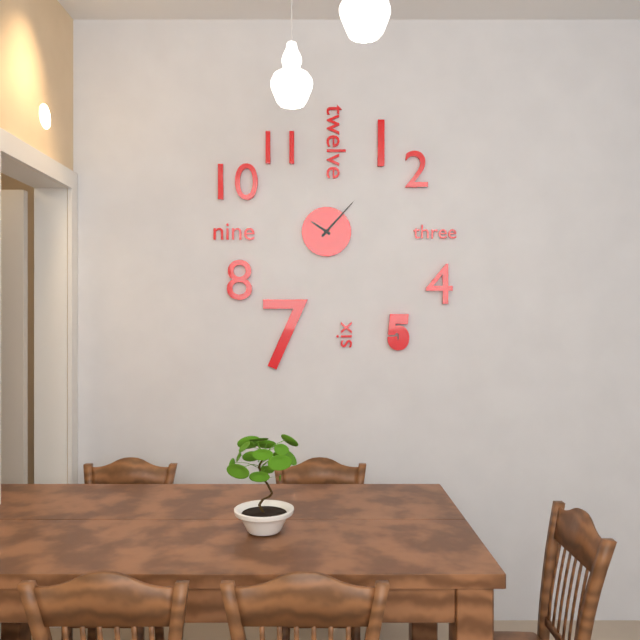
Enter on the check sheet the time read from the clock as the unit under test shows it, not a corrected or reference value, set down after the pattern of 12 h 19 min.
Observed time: 10 h 07 min
